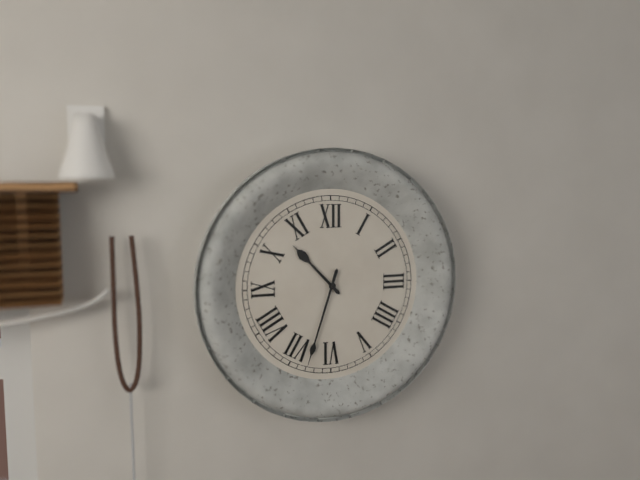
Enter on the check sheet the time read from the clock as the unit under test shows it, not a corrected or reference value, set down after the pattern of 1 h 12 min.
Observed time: 10 h 33 min
